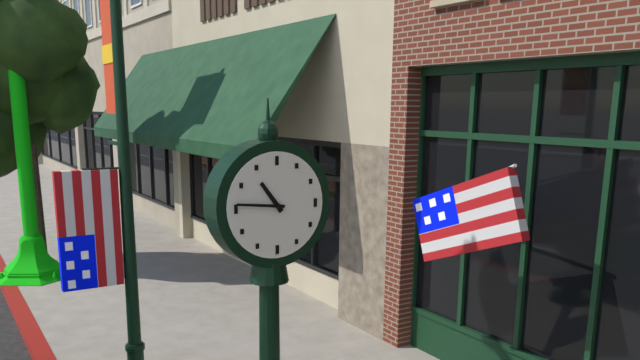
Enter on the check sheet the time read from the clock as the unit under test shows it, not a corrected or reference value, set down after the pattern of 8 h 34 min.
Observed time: 10 h 46 min
